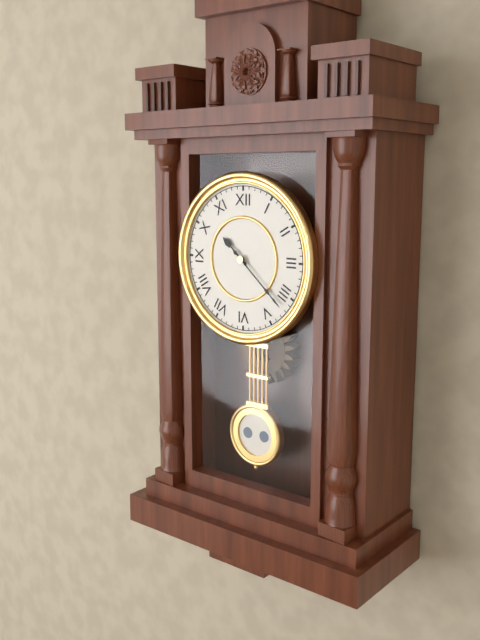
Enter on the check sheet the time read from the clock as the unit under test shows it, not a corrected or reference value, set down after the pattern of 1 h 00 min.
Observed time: 10 h 22 min
